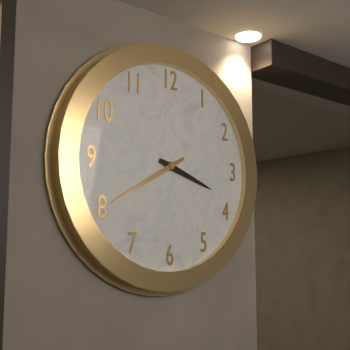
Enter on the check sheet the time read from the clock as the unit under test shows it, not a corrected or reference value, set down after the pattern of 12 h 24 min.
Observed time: 3 h 40 min
